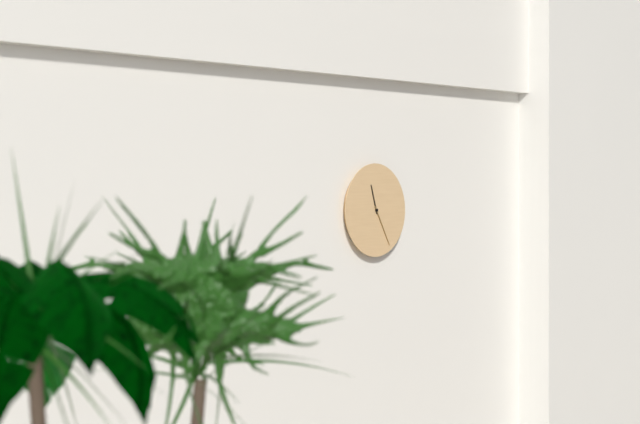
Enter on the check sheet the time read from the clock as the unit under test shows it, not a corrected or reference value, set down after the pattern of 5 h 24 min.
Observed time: 11 h 25 min
